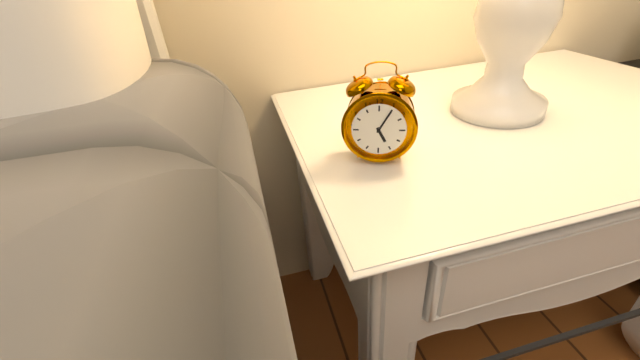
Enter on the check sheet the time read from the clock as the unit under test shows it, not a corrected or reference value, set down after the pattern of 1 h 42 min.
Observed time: 5 h 05 min
